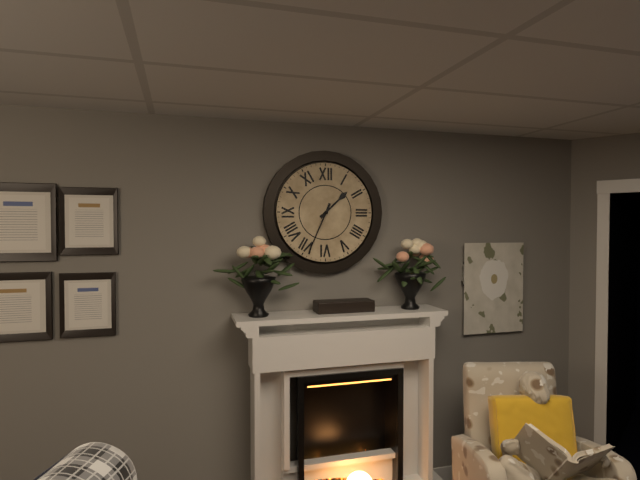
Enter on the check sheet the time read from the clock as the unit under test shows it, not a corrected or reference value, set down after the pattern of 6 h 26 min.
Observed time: 1 h 34 min
